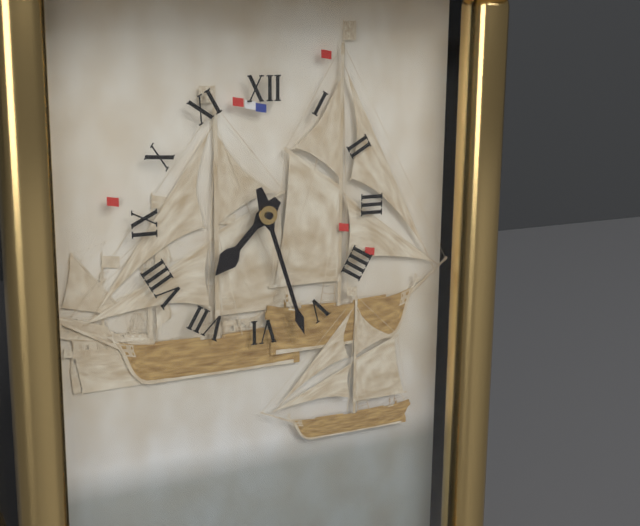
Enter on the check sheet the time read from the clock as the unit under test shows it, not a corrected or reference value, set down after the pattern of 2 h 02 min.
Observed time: 7 h 27 min
